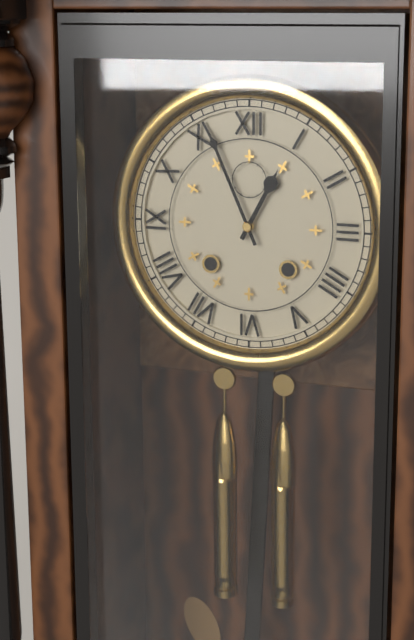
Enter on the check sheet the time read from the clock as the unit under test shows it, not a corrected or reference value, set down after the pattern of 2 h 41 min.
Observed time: 12 h 56 min
